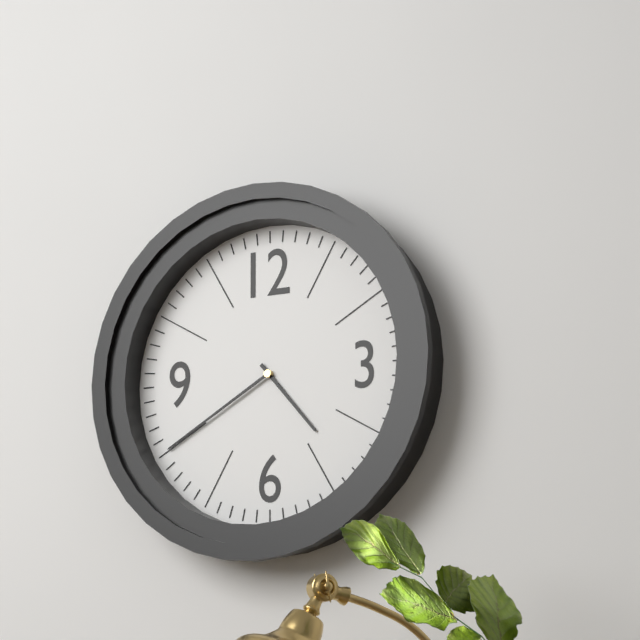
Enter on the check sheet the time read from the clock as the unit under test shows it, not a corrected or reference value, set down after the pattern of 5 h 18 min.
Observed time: 4 h 40 min
